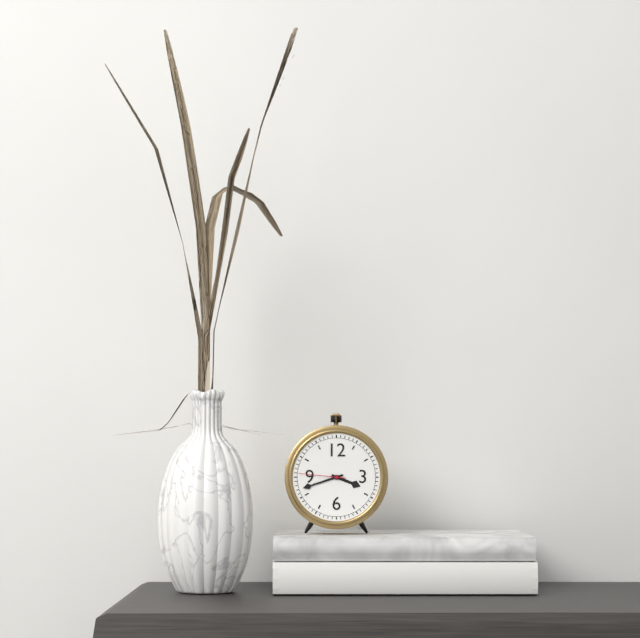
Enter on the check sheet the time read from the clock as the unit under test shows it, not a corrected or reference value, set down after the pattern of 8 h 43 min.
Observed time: 3 h 42 min
